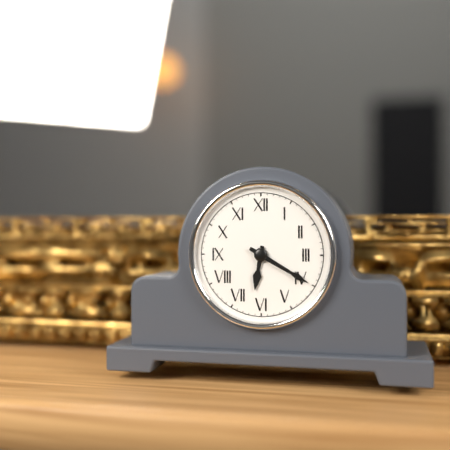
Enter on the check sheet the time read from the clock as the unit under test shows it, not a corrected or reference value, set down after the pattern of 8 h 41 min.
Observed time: 6 h 20 min
